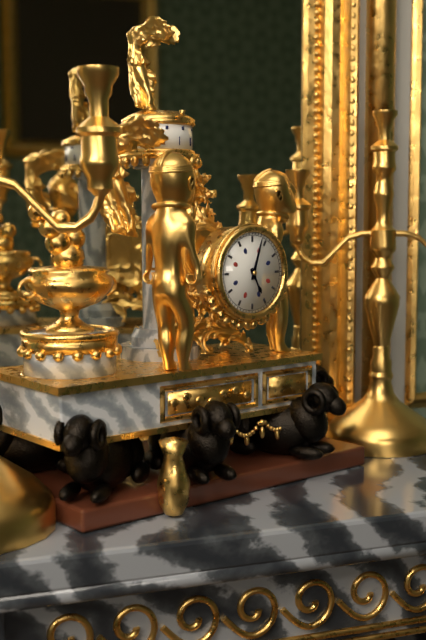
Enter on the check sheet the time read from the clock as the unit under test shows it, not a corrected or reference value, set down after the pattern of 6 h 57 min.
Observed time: 5 h 03 min
